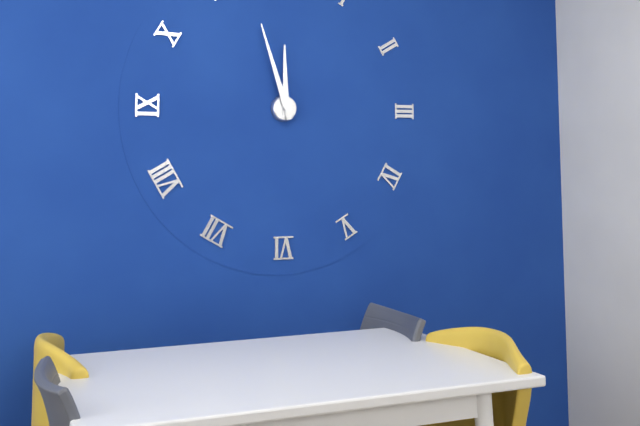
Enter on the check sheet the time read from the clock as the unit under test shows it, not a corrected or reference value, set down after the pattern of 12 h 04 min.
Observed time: 11 h 57 min
